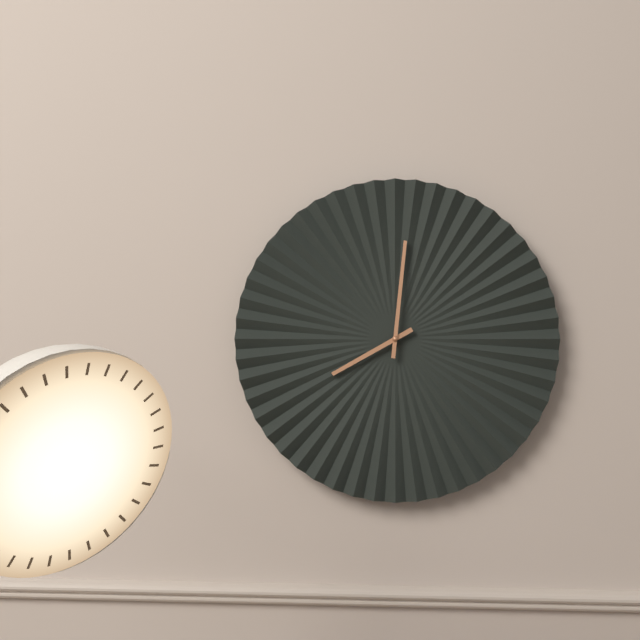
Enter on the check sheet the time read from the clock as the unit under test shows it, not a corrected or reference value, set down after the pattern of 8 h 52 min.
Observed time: 8 h 01 min
